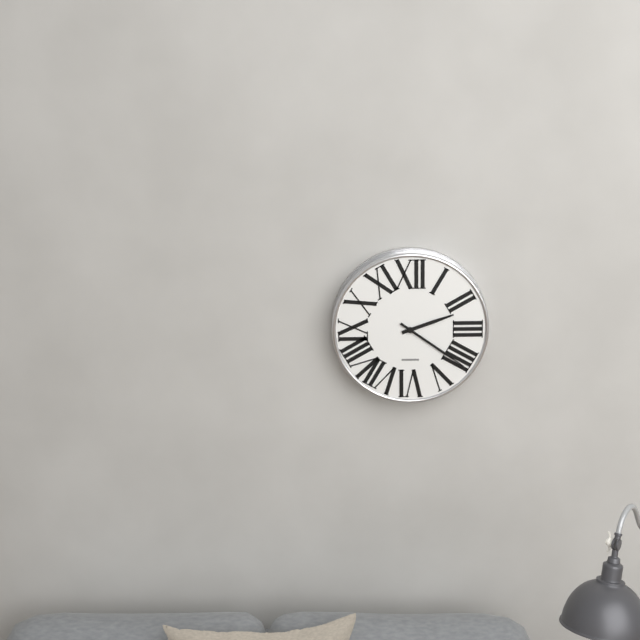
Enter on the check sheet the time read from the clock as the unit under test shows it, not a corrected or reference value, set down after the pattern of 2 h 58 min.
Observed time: 2 h 21 min
